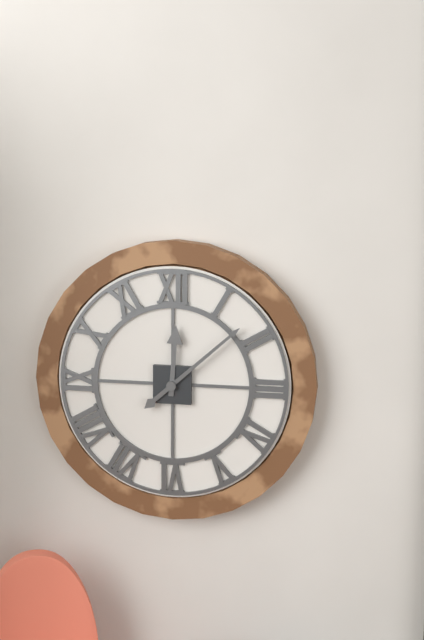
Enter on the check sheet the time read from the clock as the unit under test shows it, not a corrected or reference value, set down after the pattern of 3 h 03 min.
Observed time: 12 h 08 min
